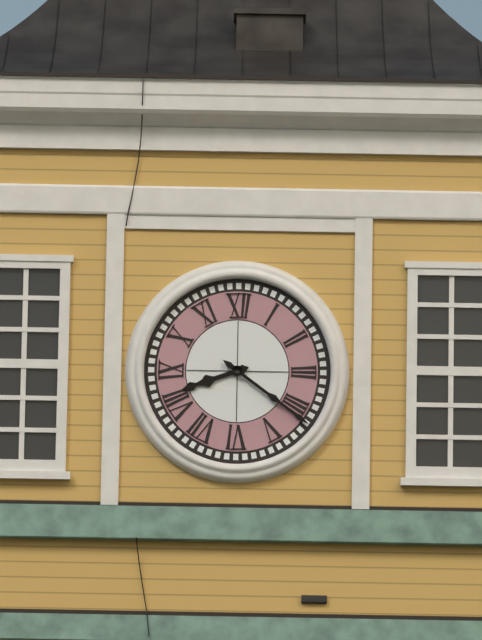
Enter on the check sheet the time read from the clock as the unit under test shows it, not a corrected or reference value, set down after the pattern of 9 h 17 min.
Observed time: 8 h 21 min
